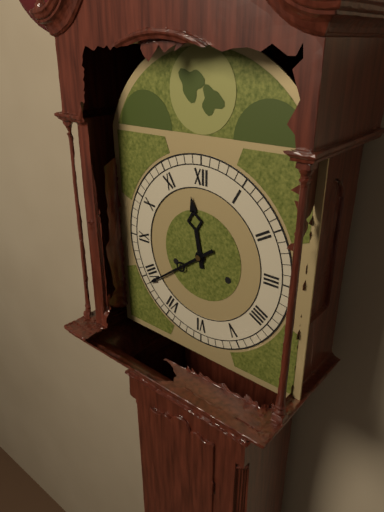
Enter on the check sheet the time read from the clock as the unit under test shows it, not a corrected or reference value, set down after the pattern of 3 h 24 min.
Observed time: 11 h 39 min
